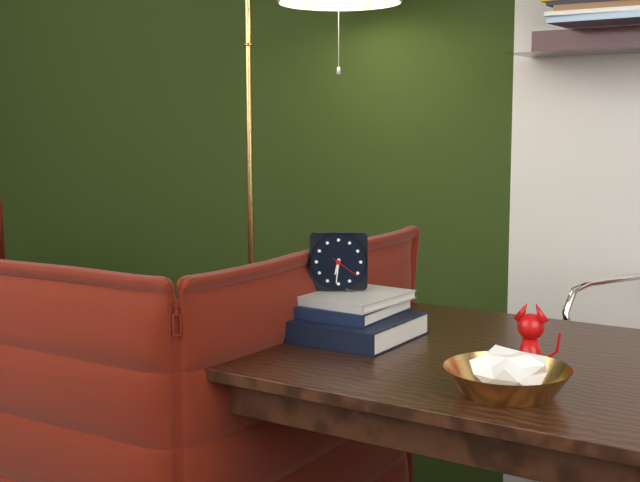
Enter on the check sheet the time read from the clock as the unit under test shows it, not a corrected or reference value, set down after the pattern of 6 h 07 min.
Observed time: 6 h 31 min
